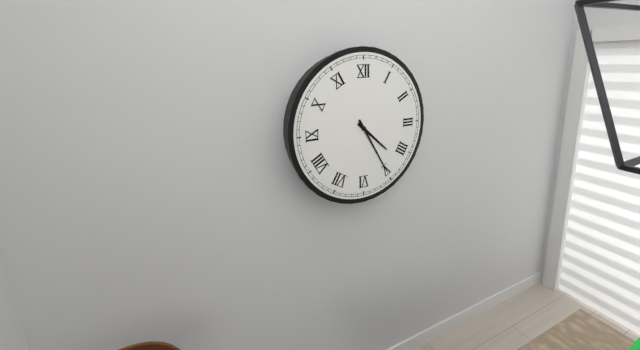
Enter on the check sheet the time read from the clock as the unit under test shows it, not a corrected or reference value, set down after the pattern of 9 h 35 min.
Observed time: 4 h 25 min
